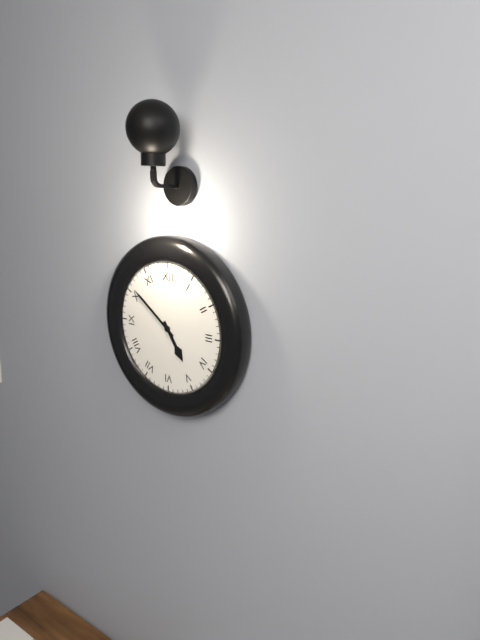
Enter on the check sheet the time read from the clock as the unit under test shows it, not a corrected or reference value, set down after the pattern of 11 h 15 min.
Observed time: 4 h 51 min
